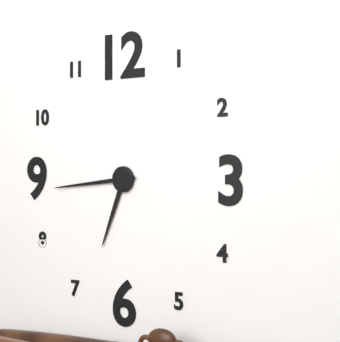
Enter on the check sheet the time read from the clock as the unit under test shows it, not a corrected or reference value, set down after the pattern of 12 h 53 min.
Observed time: 6 h 44 min
